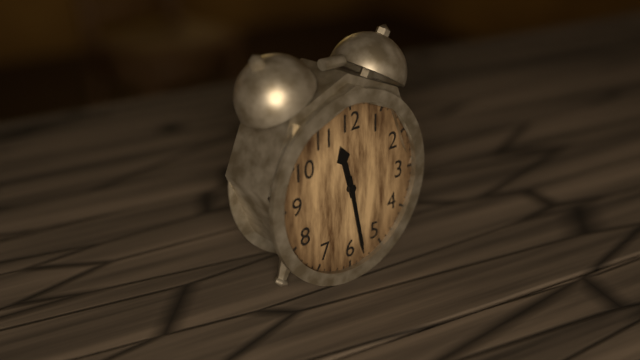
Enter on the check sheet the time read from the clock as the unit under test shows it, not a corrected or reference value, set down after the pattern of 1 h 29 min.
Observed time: 11 h 28 min
